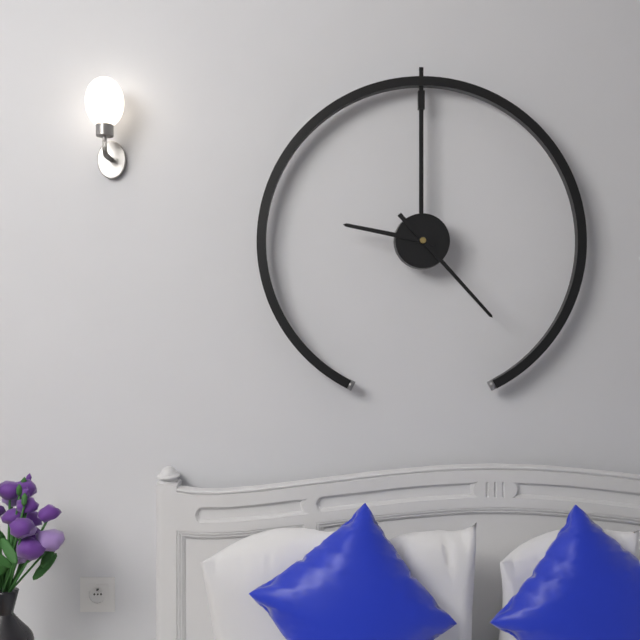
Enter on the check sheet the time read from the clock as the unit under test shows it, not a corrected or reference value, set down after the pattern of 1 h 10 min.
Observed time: 9 h 23 min
